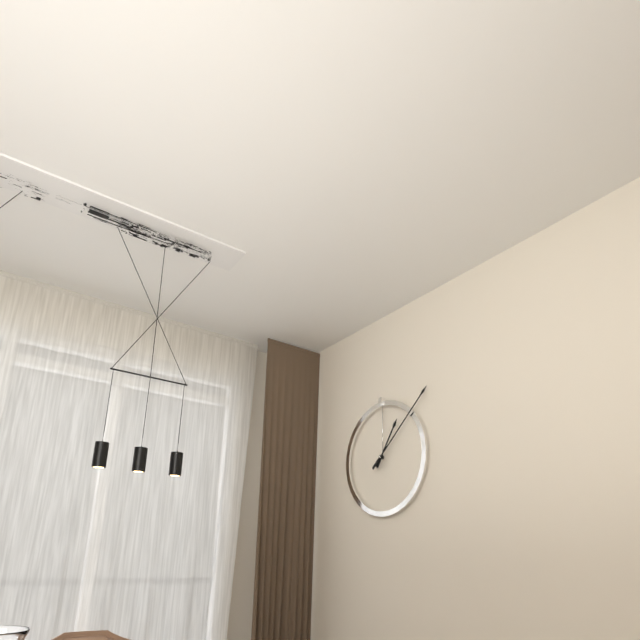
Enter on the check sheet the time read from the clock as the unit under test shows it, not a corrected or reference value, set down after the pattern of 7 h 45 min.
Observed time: 1 h 08 min
